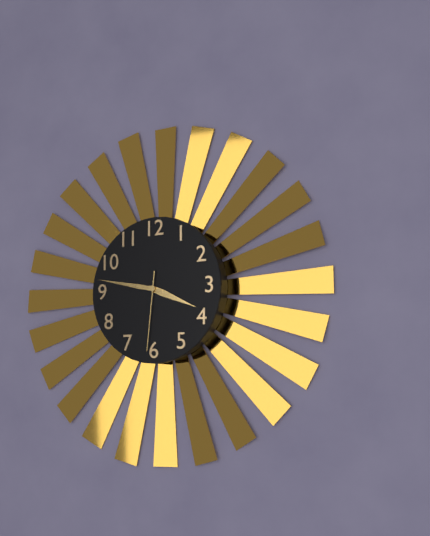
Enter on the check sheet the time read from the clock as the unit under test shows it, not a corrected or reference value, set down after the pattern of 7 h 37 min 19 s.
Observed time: 3 h 47 min 31 s
